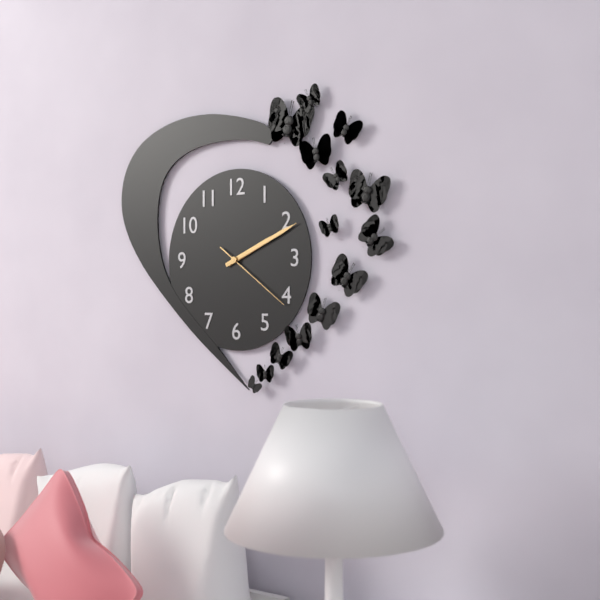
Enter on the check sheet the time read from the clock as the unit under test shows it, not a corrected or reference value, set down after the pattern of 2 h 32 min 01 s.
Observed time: 2 h 11 min 21 s
